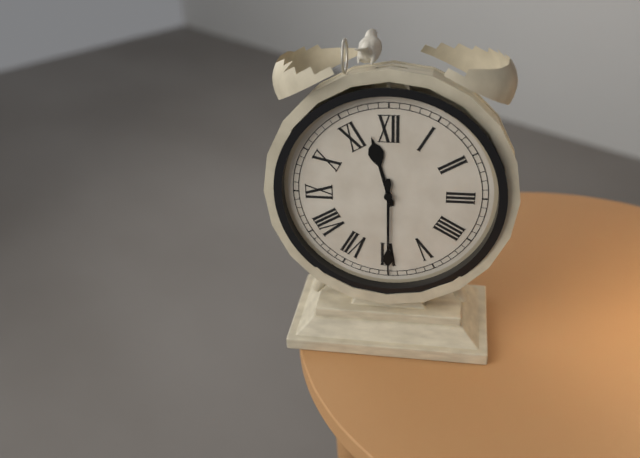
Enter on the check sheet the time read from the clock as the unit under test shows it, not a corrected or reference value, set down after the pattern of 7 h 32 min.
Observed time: 11 h 30 min
